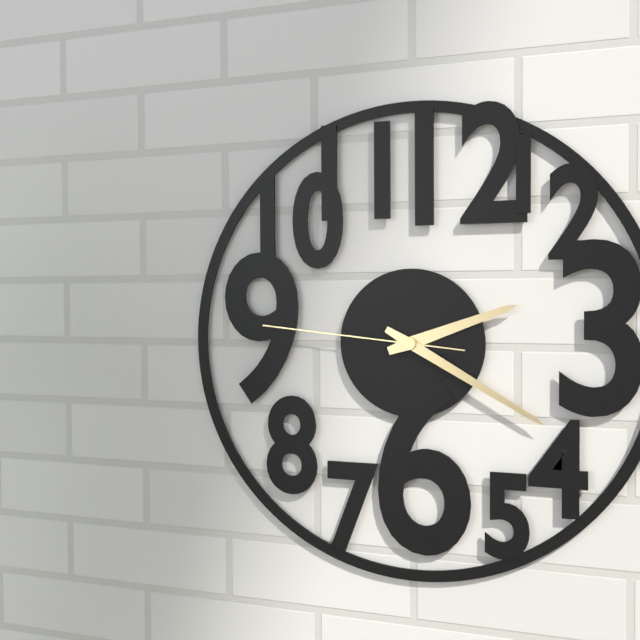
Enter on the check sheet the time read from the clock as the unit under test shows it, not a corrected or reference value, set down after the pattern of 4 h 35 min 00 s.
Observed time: 2 h 20 min 46 s
